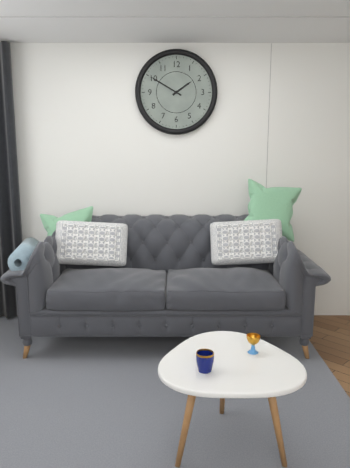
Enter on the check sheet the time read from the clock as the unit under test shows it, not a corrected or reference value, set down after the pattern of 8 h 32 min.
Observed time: 1 h 50 min
